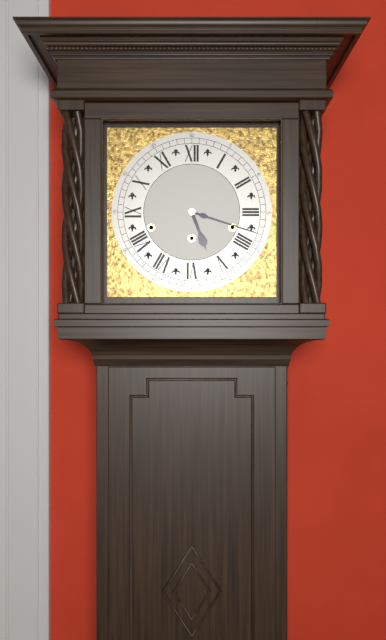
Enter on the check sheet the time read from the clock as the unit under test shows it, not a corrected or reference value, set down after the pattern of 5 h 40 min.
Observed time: 5 h 18 min
